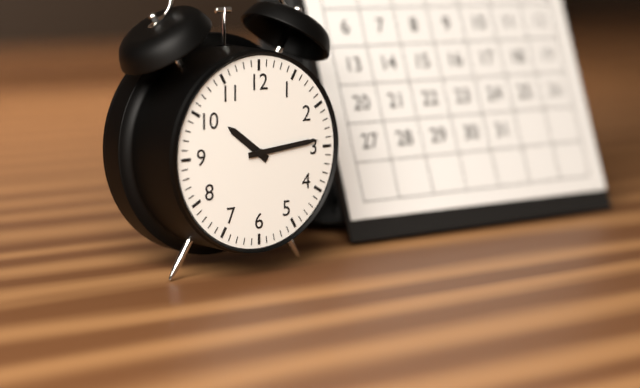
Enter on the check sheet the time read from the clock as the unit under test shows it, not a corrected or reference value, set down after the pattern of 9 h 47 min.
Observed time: 10 h 14 min
